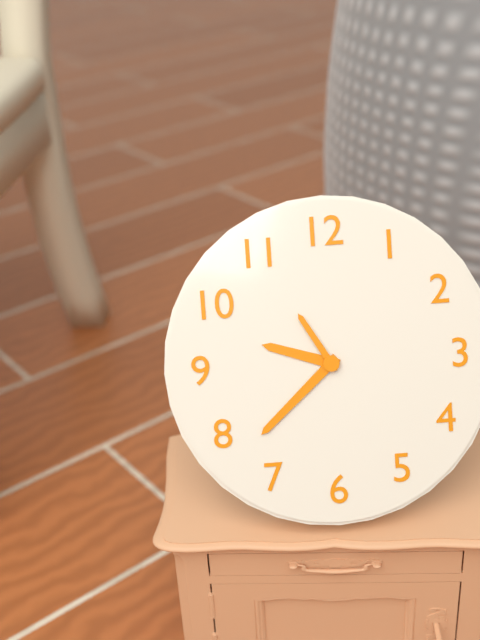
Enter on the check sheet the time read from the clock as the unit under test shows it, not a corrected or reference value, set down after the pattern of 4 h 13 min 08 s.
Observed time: 9 h 38 min 55 s
